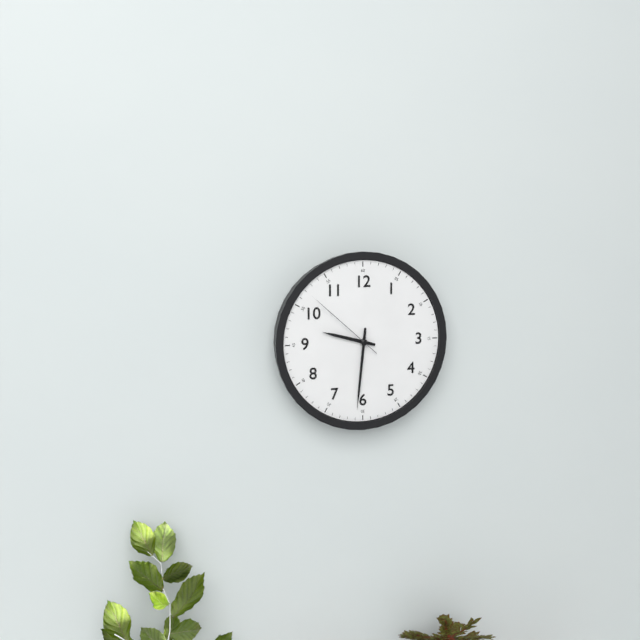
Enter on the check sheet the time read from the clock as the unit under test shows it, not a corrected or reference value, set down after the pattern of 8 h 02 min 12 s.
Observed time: 9 h 31 min 52 s
